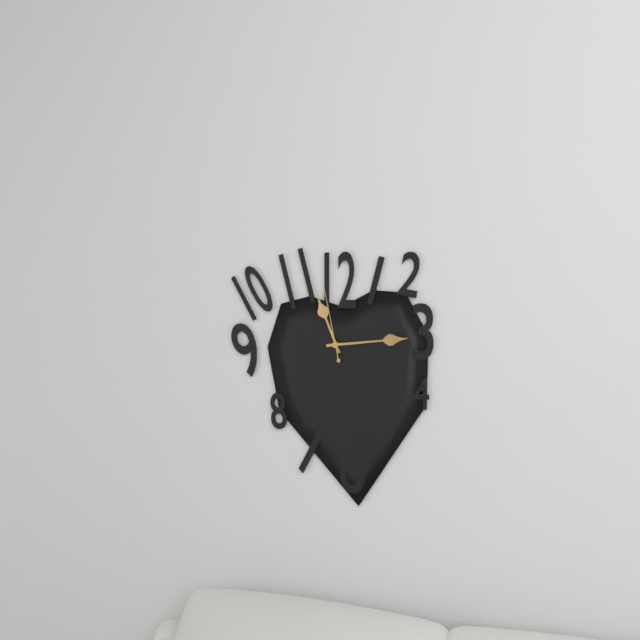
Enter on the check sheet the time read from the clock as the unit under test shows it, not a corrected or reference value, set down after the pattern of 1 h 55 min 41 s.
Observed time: 11 h 14 min 58 s
